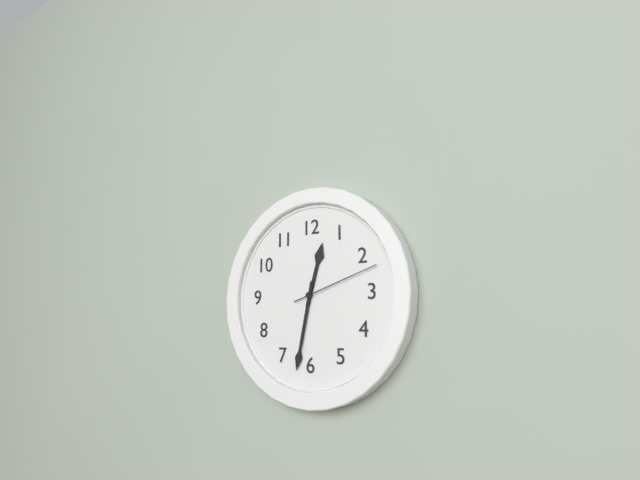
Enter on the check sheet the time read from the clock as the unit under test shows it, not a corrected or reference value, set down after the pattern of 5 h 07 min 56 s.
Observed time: 12 h 32 min 12 s
